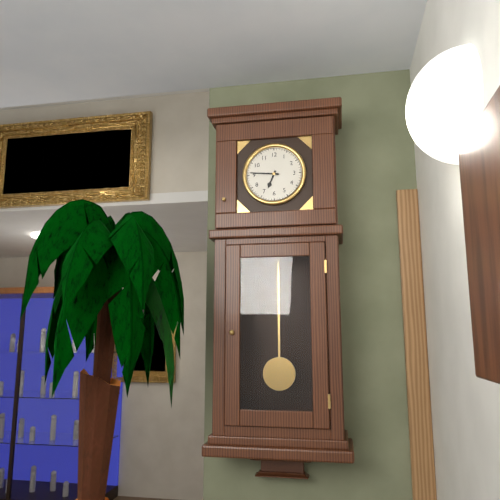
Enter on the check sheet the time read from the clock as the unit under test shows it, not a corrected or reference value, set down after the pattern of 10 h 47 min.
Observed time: 6 h 46 min
